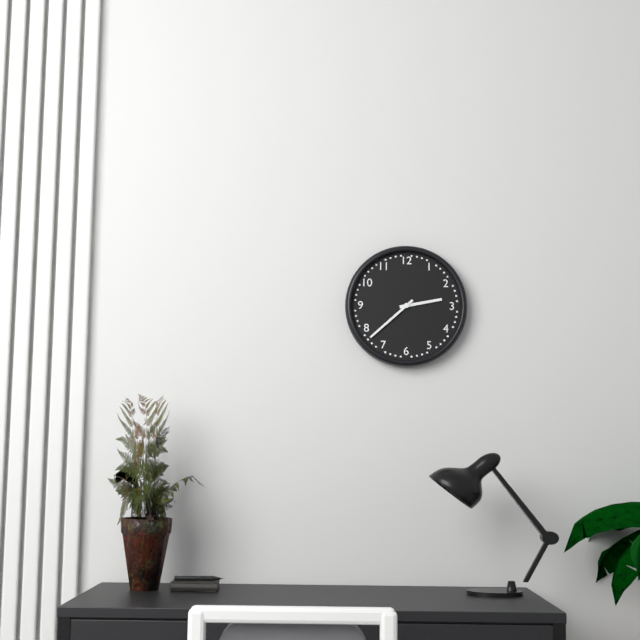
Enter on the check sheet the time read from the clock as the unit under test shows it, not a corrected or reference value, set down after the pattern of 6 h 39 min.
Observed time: 2 h 38 min
